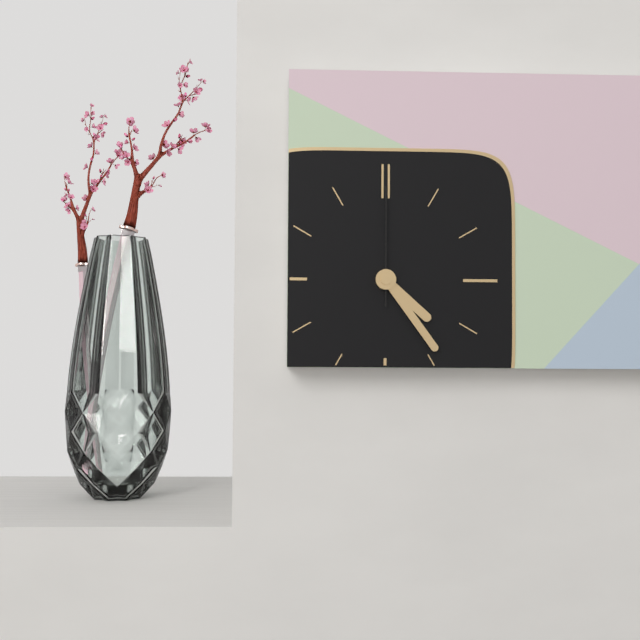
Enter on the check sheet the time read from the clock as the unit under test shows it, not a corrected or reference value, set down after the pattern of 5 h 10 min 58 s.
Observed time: 4 h 24 min 00 s
